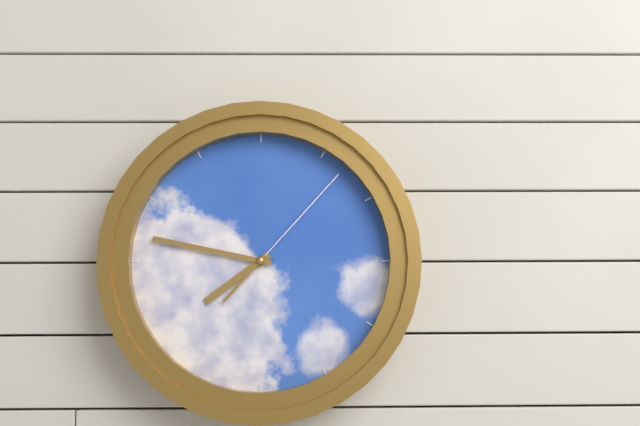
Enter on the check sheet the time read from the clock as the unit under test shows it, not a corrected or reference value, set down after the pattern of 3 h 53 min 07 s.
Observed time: 7 h 47 min 07 s
